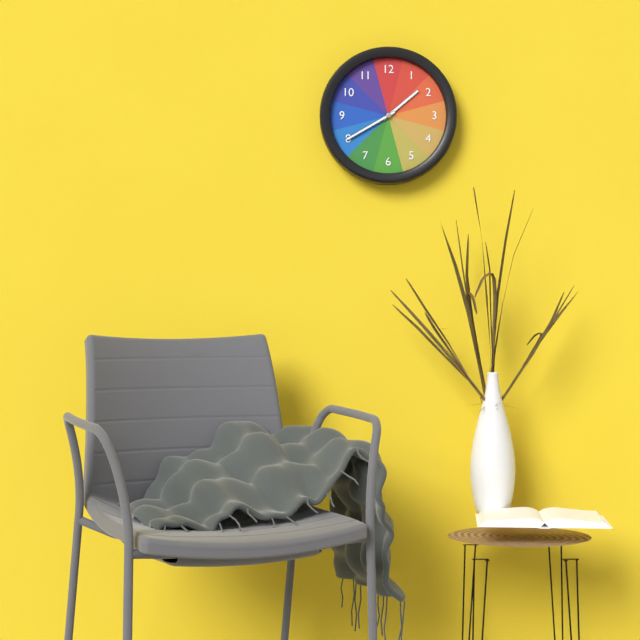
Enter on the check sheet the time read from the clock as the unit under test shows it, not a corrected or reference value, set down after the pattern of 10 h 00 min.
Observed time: 1 h 40 min
